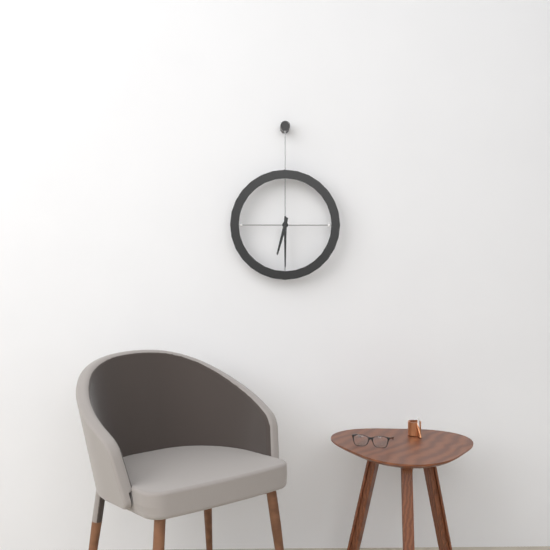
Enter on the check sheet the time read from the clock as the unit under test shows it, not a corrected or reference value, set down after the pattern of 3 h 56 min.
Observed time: 6 h 30 min
